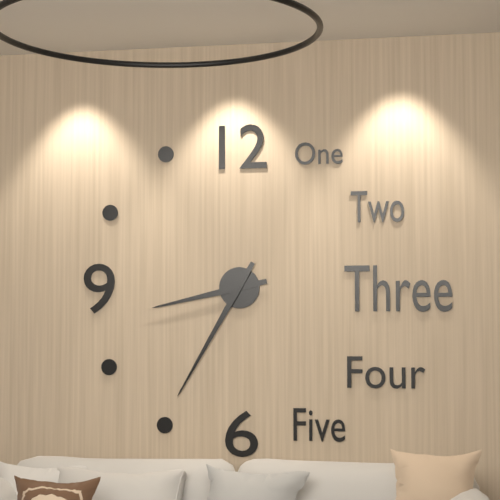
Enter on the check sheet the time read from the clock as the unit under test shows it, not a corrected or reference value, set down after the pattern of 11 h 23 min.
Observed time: 8 h 35 min
